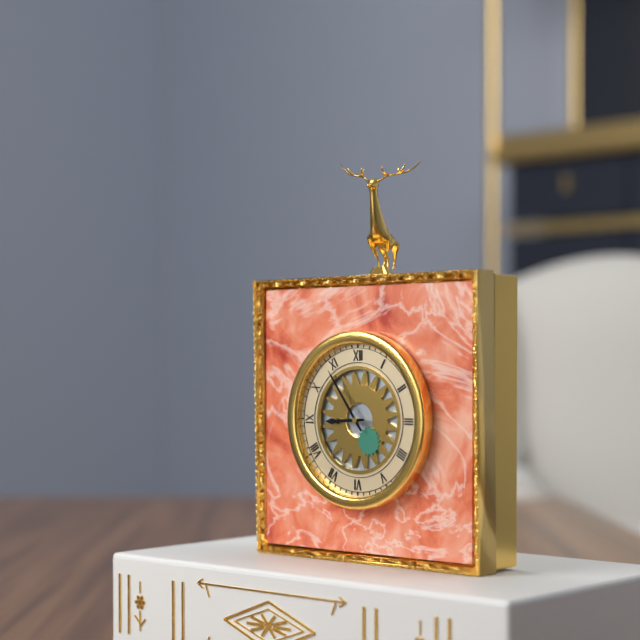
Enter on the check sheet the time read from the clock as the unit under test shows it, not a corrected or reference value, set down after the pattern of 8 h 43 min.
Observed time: 8 h 54 min
